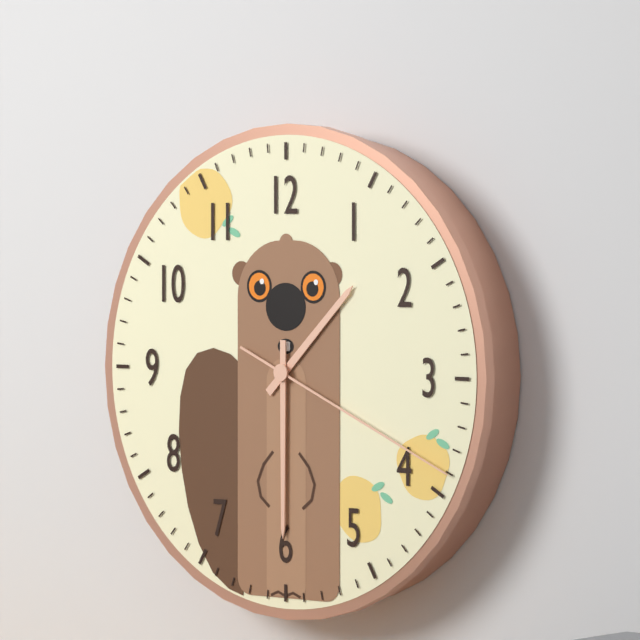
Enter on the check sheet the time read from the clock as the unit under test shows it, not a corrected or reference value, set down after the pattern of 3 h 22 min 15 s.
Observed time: 1 h 30 min 19 s
